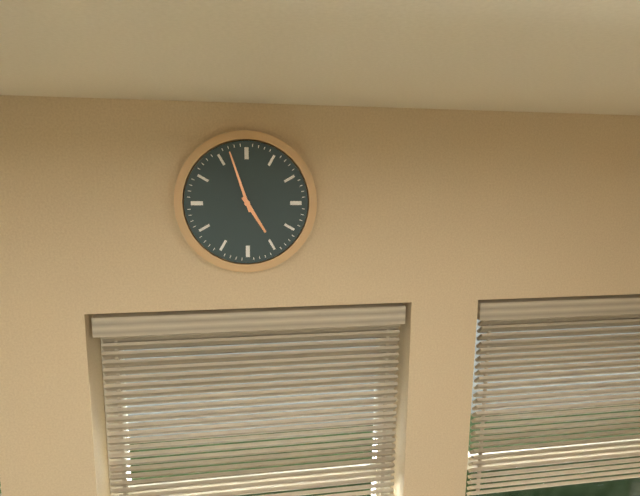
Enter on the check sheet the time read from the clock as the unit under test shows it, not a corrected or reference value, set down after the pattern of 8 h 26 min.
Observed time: 4 h 57 min
